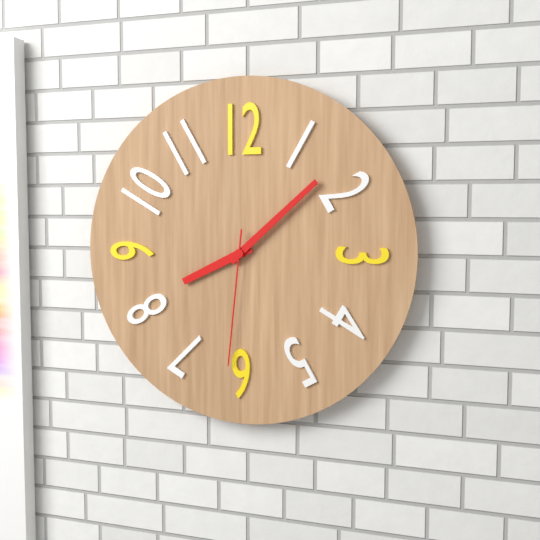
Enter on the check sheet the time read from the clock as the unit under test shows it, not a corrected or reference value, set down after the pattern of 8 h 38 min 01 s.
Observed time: 8 h 08 min 31 s
